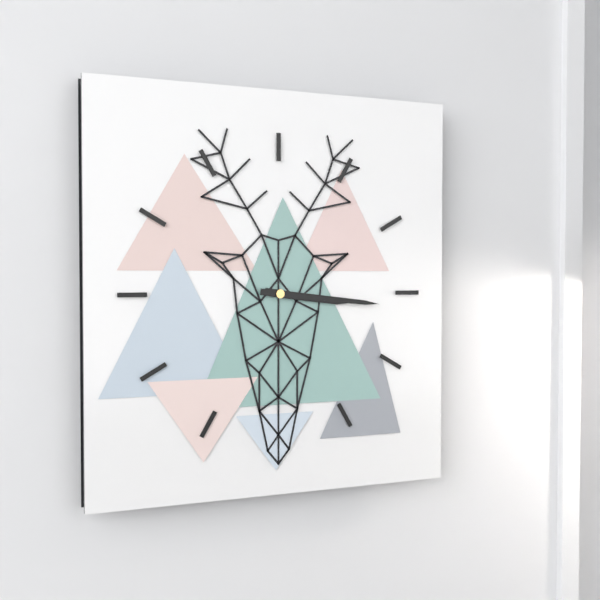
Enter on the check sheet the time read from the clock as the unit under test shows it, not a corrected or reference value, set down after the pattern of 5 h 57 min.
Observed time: 3 h 16 min
